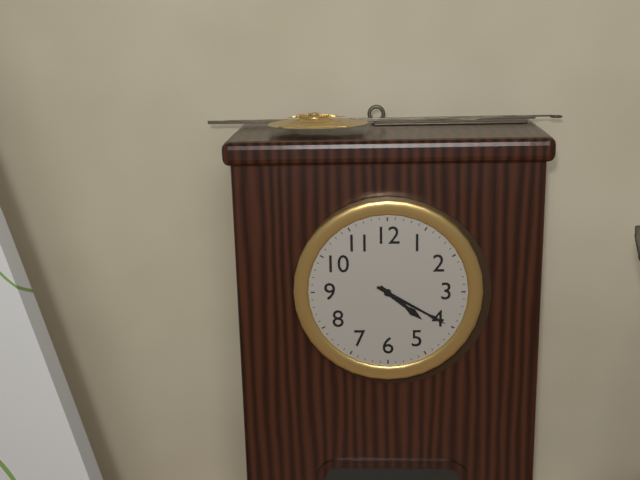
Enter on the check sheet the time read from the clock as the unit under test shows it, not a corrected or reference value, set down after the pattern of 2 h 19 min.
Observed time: 4 h 20 min
